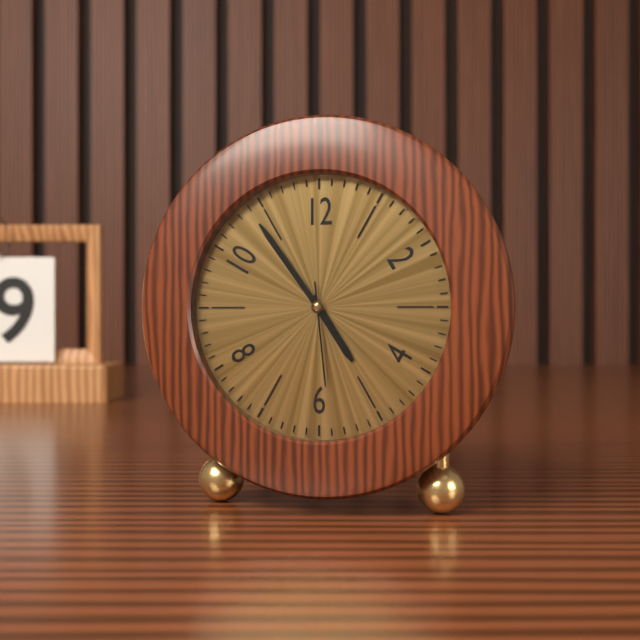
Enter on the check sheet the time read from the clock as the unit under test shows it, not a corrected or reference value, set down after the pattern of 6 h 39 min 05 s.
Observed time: 4 h 54 min 29 s
